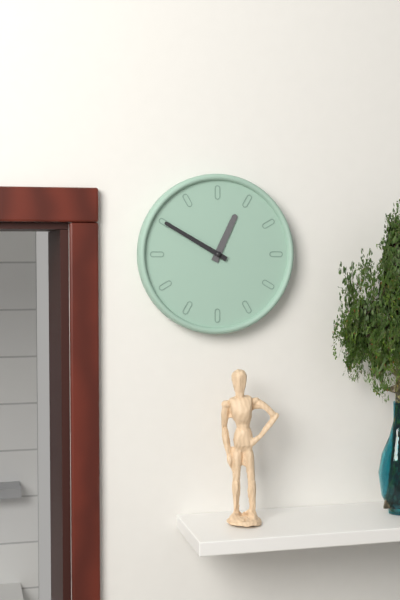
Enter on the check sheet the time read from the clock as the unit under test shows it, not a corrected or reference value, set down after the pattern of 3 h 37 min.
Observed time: 12 h 50 min
